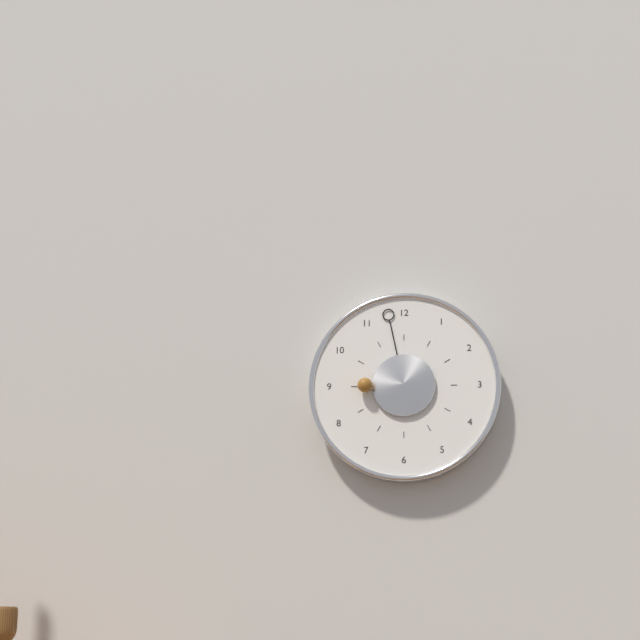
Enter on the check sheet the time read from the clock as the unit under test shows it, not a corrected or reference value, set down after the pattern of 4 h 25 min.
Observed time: 8 h 58 min
